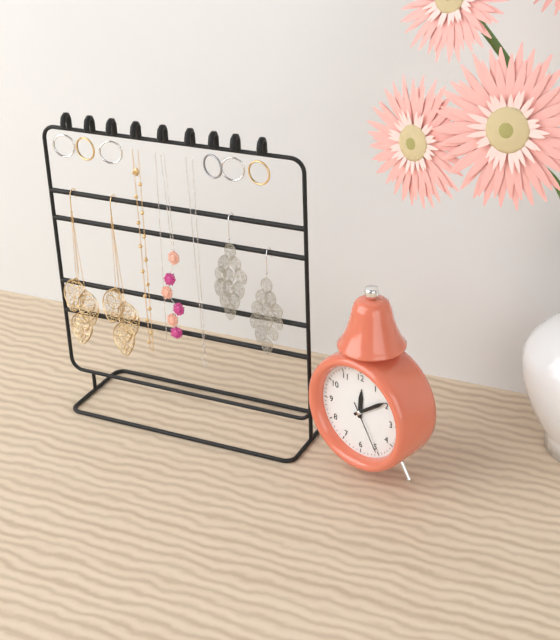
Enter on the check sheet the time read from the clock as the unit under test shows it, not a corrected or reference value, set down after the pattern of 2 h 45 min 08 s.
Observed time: 12 h 09 min 25 s
